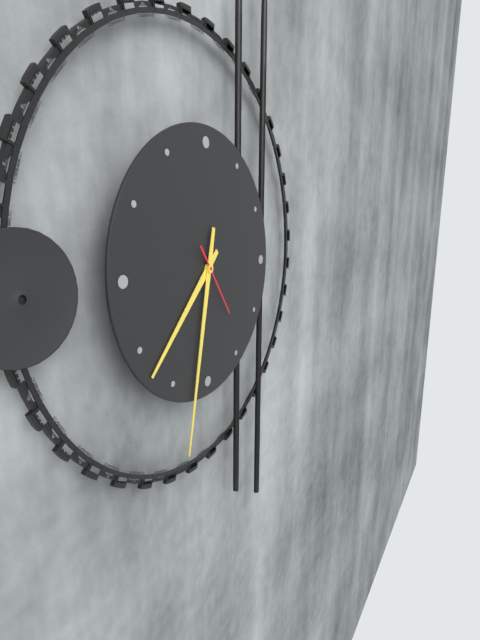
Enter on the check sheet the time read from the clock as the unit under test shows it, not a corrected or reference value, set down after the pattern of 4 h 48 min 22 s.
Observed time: 7 h 32 min 24 s
